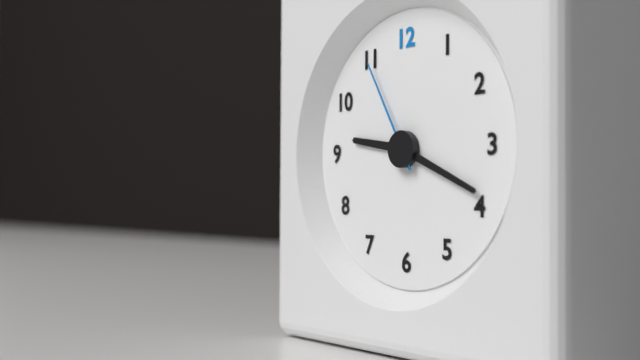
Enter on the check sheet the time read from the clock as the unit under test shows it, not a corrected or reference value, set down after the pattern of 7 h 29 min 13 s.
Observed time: 9 h 19 min 55 s
